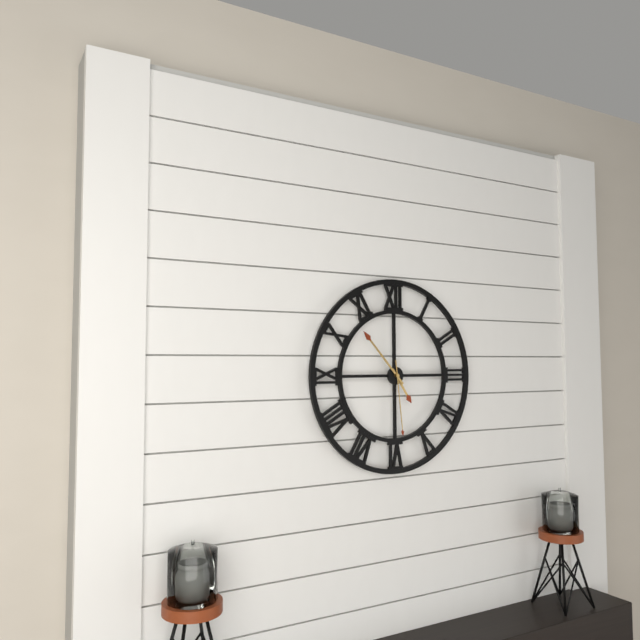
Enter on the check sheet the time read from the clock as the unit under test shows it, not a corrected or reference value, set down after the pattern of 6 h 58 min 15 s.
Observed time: 4 h 53 min 29 s
